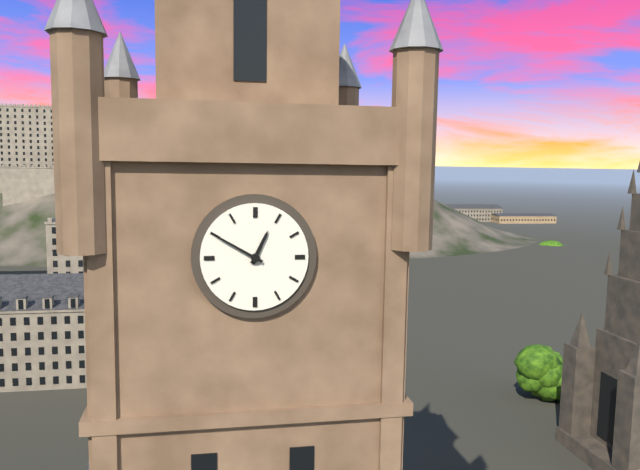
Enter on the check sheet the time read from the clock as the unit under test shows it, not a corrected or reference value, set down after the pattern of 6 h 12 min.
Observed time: 12 h 50 min
